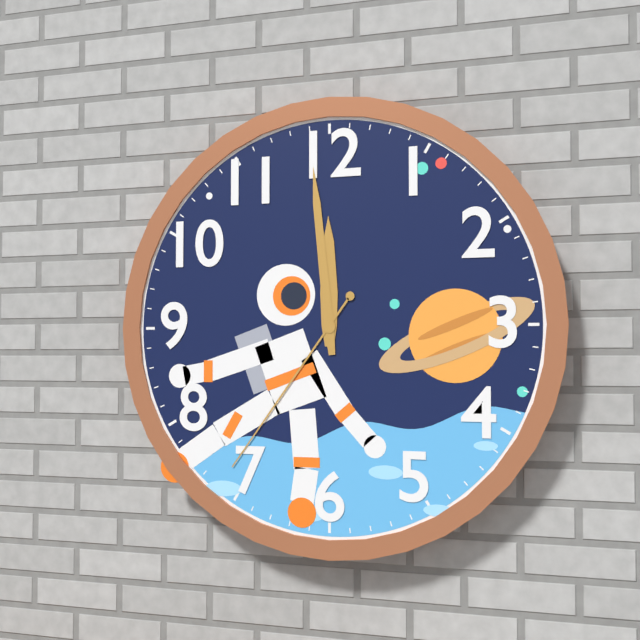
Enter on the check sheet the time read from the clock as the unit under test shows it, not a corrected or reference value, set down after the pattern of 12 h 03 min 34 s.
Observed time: 11 h 59 min 36 s
